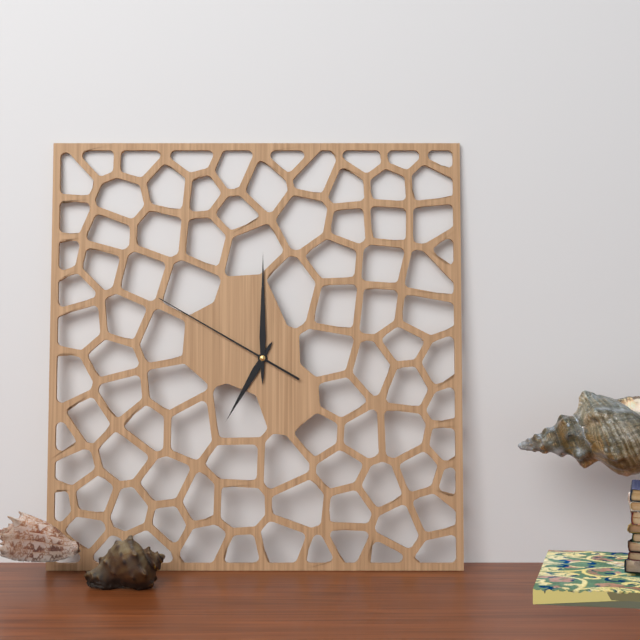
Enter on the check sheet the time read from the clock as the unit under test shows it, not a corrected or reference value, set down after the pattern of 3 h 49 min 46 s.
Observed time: 7 h 00 min 50 s
